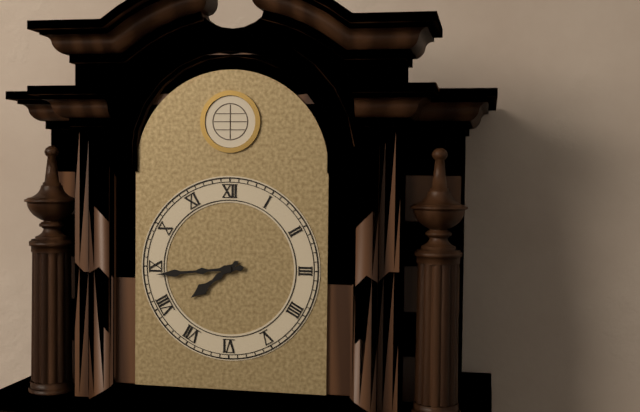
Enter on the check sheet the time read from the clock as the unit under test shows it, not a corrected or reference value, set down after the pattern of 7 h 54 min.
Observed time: 7 h 44 min
